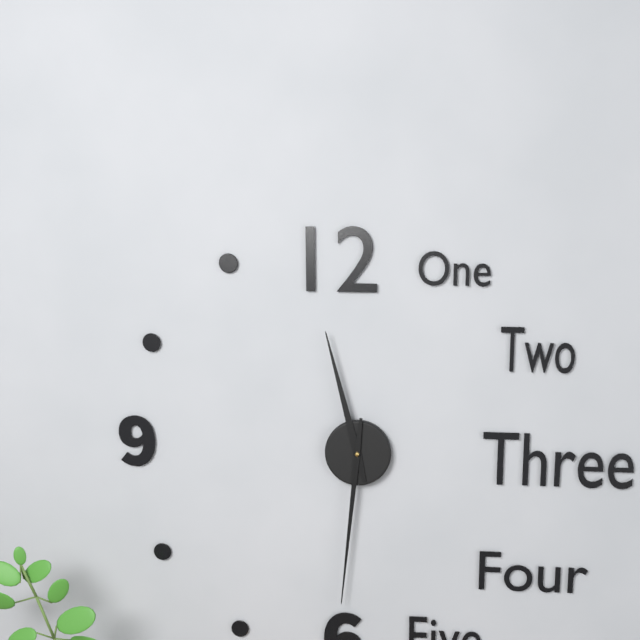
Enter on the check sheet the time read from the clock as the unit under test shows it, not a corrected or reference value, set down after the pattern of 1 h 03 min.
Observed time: 11 h 31 min
